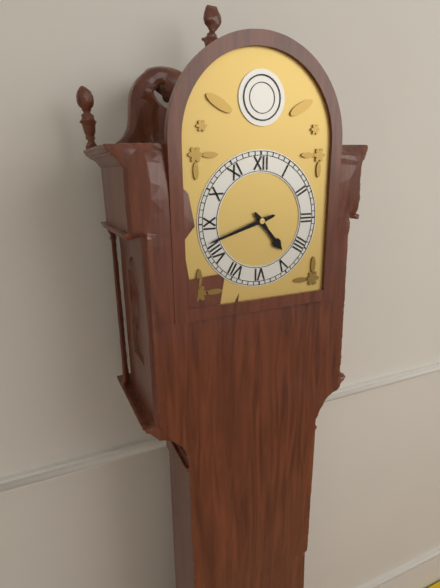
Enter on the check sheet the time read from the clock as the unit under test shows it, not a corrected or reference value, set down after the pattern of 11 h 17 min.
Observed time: 4 h 42 min
